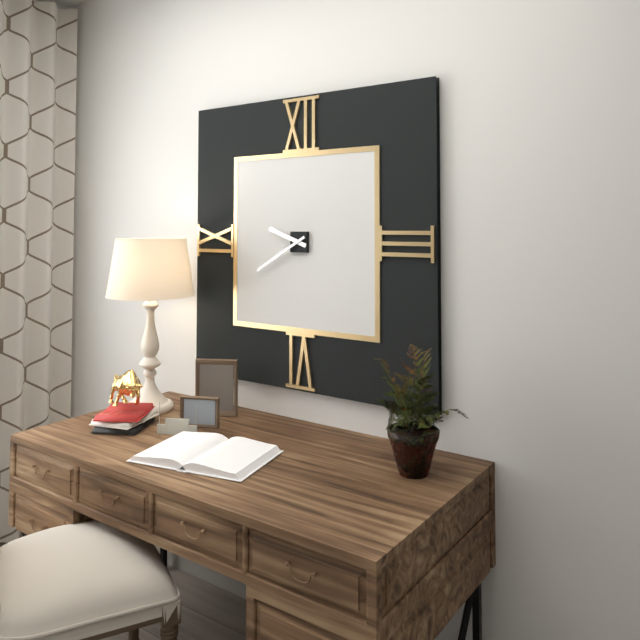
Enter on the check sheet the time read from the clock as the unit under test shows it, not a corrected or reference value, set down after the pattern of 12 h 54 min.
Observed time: 9 h 40 min
